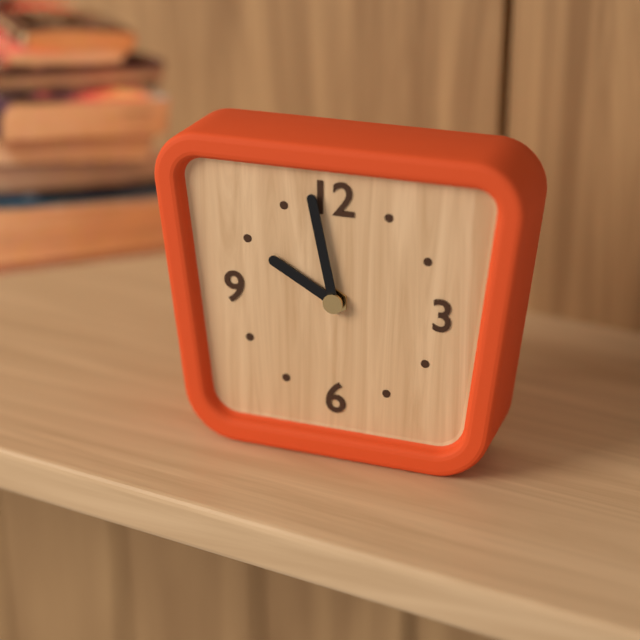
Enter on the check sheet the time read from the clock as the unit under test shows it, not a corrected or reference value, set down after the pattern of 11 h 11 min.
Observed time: 9 h 58 min
